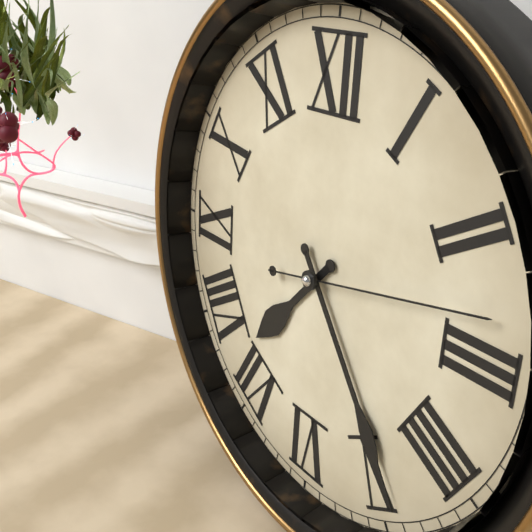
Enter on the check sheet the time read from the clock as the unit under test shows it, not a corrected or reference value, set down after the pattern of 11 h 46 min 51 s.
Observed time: 7 h 24 min 13 s
